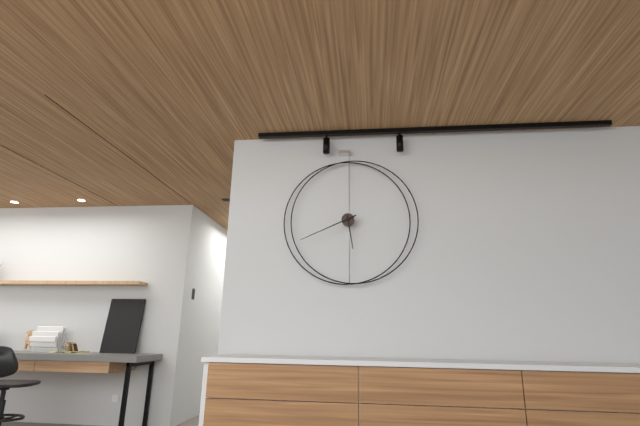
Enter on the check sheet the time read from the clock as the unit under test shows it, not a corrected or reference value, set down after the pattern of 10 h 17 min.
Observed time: 5 h 41 min
